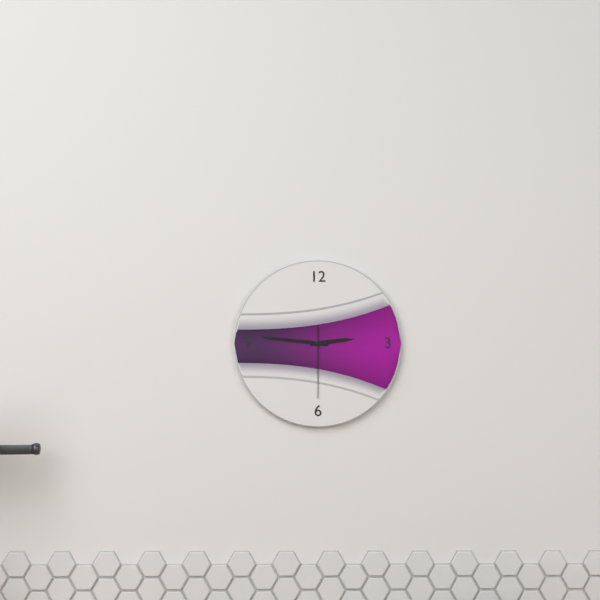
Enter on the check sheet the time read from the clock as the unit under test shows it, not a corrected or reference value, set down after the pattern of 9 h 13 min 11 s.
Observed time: 2 h 46 min 30 s
